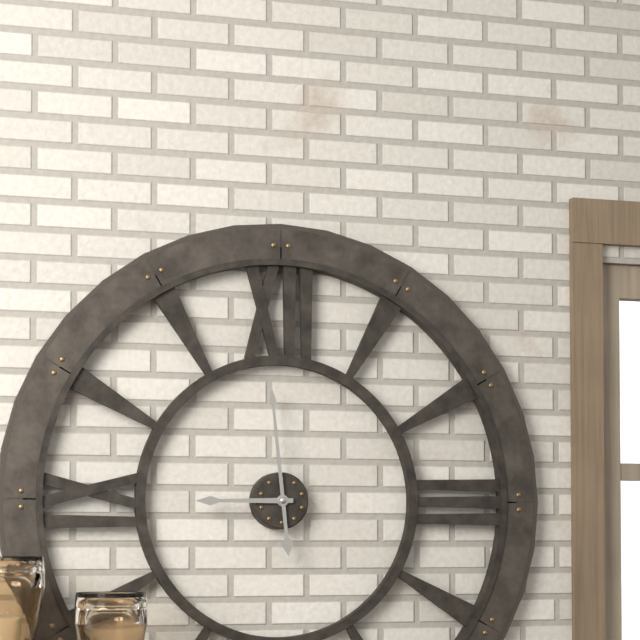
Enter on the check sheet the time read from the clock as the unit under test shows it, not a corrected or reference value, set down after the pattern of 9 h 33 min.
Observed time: 8 h 59 min
